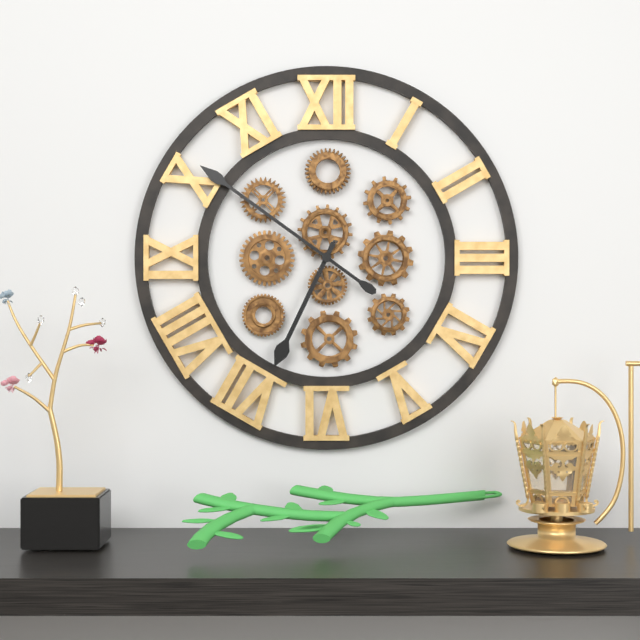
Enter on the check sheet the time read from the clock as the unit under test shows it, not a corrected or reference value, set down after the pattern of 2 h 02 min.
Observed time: 6 h 51 min
